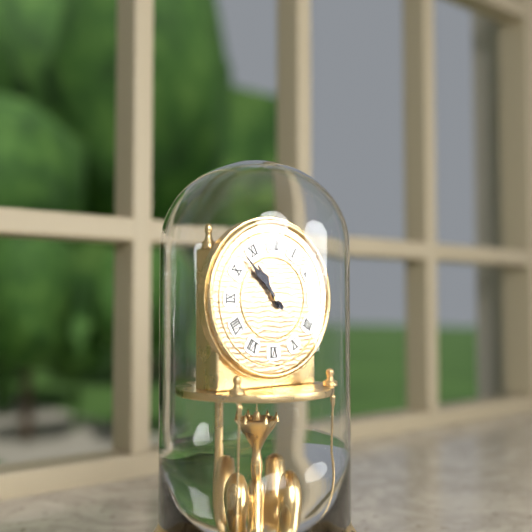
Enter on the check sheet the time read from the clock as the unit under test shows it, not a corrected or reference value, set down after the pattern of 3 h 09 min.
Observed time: 10 h 53 min
